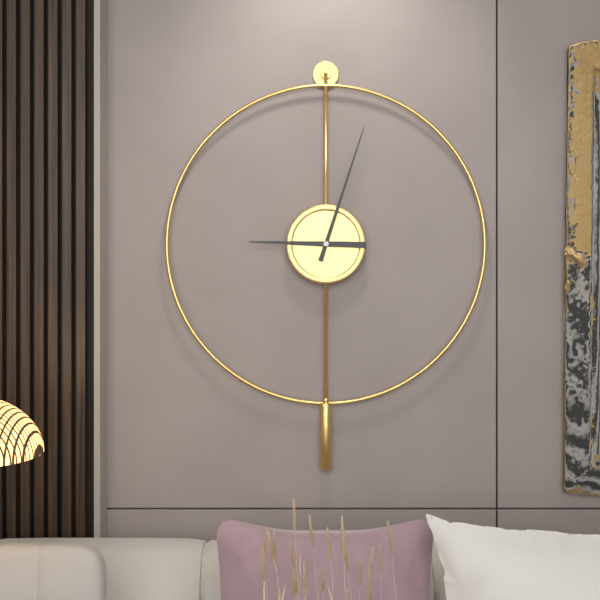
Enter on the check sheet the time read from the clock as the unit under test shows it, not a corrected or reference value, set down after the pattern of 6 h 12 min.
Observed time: 9 h 03 min
